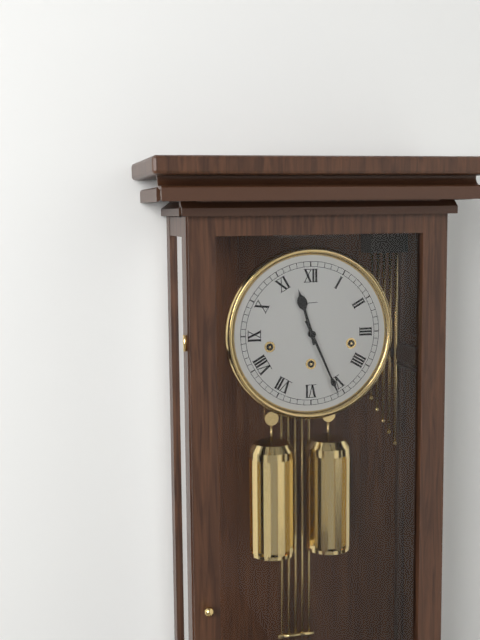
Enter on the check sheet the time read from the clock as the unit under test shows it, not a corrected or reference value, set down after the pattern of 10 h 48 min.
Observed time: 11 h 26 min
